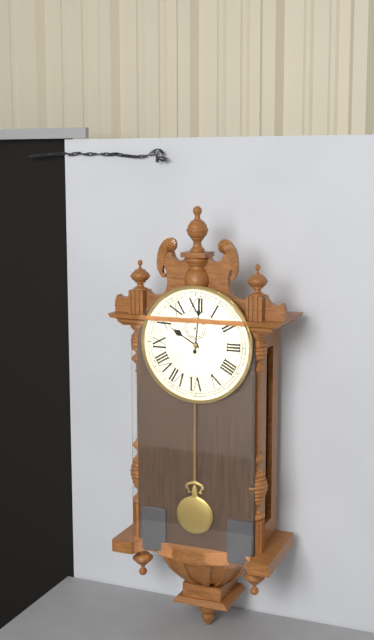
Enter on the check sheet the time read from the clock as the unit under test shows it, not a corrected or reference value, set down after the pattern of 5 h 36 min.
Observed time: 10 h 01 min
